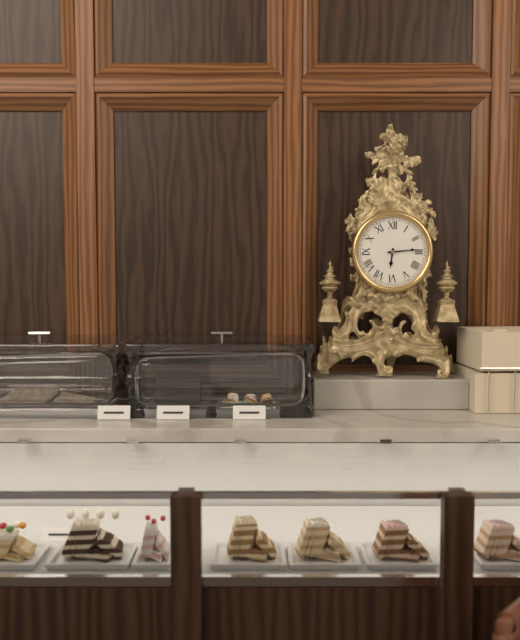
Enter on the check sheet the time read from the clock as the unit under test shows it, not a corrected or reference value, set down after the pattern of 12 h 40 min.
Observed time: 6 h 14 min
